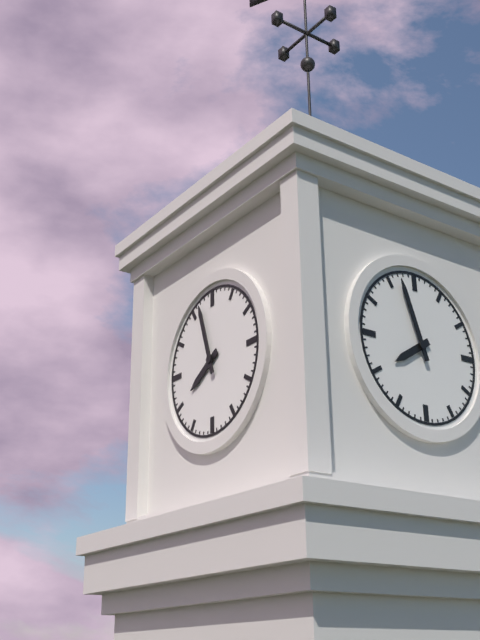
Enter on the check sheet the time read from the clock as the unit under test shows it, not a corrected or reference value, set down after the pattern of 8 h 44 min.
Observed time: 7 h 57 min
